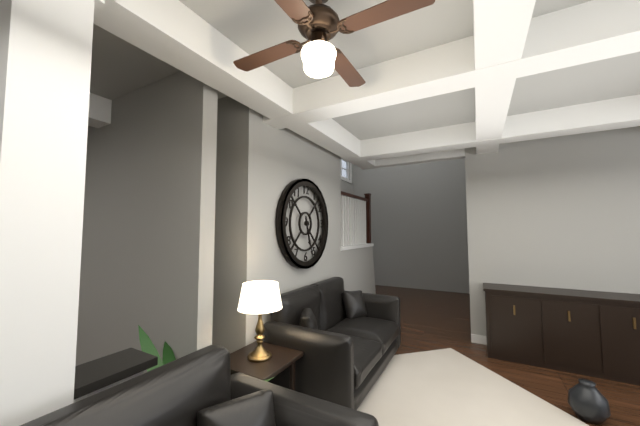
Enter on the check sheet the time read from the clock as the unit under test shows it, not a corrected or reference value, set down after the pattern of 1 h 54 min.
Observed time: 5 h 27 min
